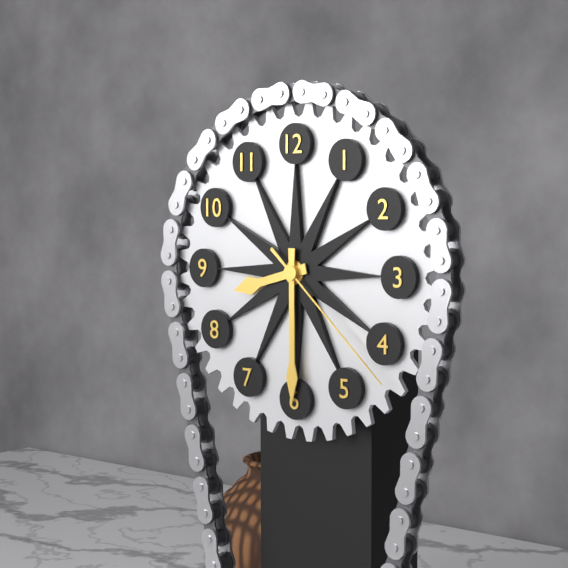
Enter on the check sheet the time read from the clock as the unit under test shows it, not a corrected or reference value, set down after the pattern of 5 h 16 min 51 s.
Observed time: 8 h 30 min 22 s
